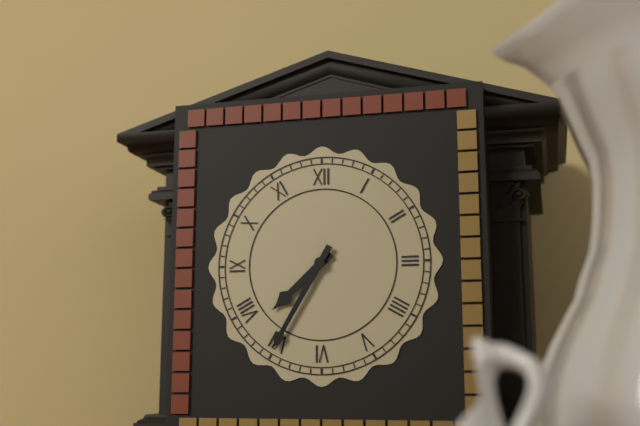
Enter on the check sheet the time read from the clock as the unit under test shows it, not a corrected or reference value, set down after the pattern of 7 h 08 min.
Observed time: 7 h 35 min
